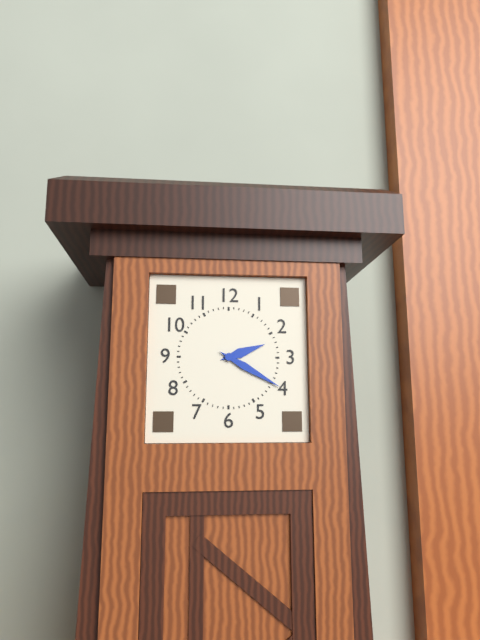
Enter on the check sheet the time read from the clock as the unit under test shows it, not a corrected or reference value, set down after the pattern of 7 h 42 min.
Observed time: 2 h 20 min
